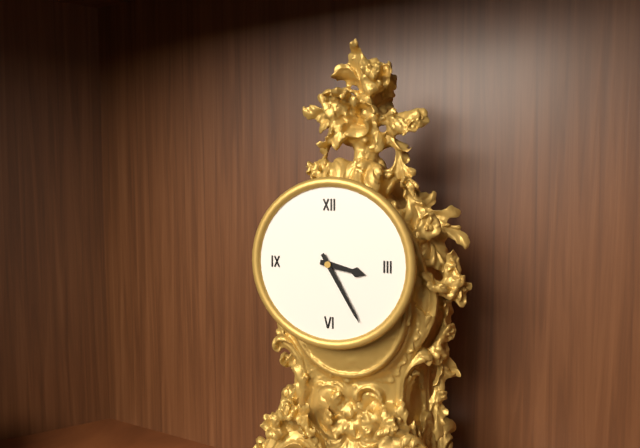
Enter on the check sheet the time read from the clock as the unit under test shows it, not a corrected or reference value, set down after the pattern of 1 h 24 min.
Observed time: 3 h 25 min
